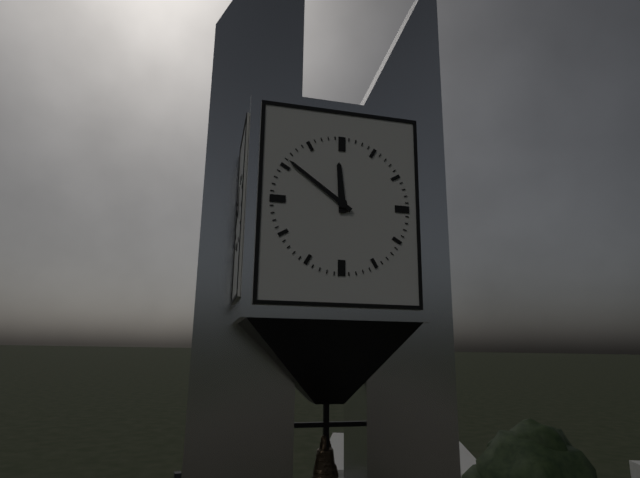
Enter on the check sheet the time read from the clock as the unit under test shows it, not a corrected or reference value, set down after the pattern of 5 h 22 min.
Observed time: 11 h 51 min
